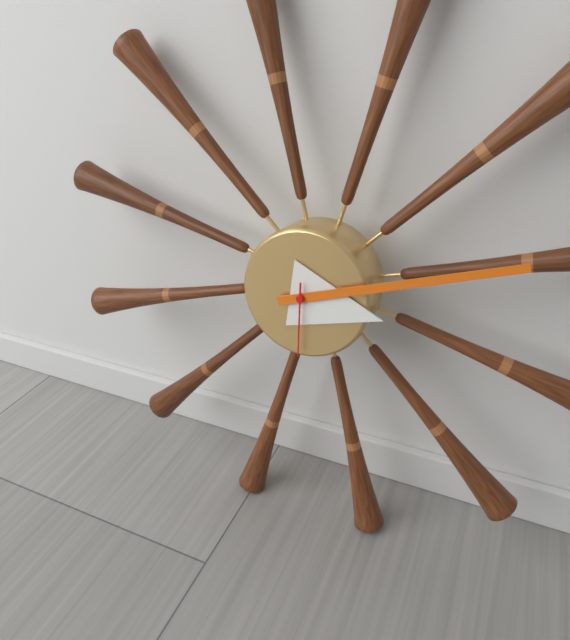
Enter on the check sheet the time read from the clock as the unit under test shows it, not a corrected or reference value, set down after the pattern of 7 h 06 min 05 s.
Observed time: 3 h 12 min 30 s
